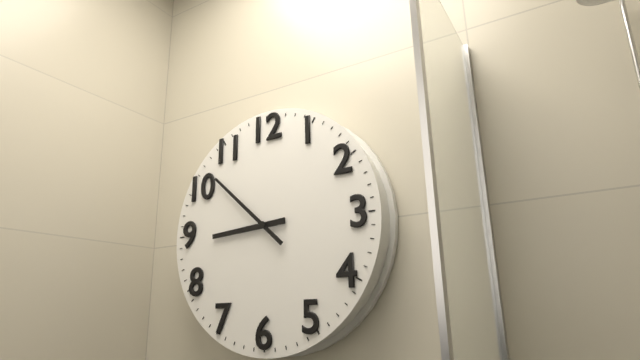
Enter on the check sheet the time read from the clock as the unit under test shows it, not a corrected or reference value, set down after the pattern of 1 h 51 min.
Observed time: 8 h 52 min
